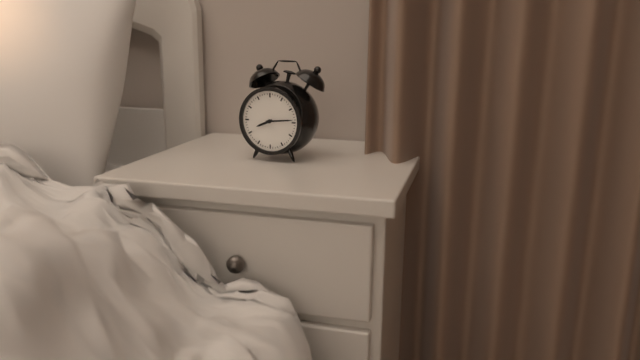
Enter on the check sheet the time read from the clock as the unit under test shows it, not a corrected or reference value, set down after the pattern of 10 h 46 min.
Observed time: 8 h 14 min
